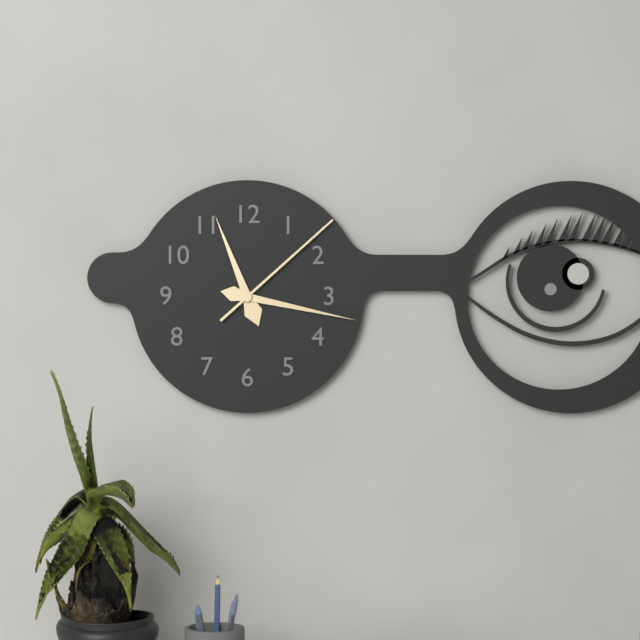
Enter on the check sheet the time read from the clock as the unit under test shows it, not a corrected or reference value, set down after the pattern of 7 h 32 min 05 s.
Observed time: 11 h 17 min 08 s
